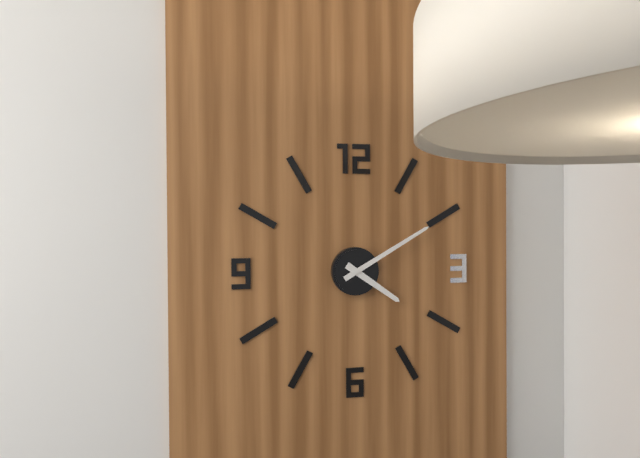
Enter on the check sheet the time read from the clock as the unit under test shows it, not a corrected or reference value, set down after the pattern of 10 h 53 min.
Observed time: 4 h 10 min
